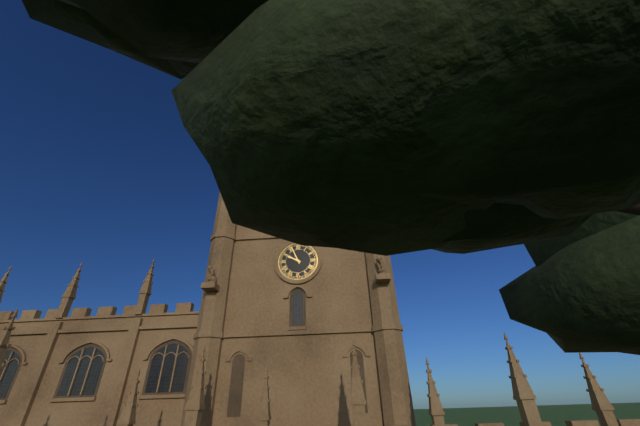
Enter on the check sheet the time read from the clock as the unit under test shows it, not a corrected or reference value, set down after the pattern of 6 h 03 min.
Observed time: 9 h 56 min
